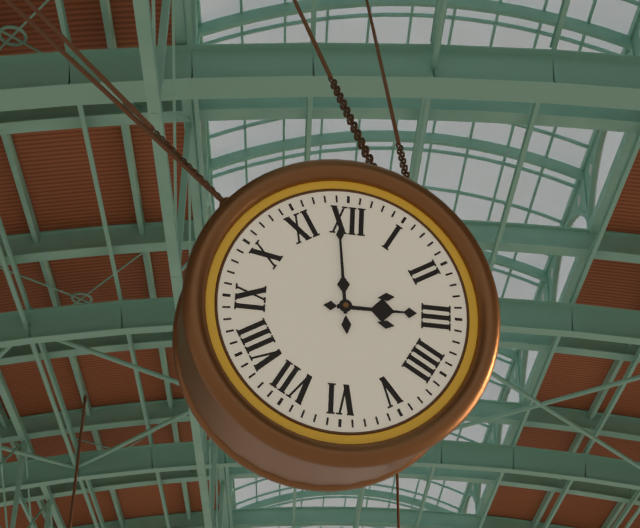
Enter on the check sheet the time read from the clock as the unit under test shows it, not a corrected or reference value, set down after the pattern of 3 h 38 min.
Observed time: 2 h 59 min
